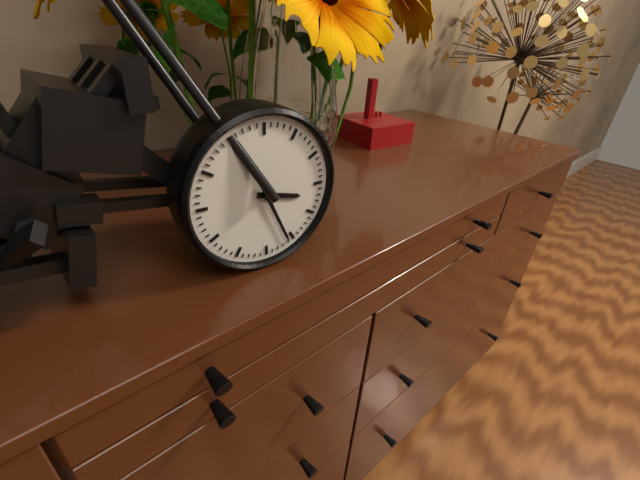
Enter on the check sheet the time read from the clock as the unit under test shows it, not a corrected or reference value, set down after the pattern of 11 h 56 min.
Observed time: 3 h 26 min
